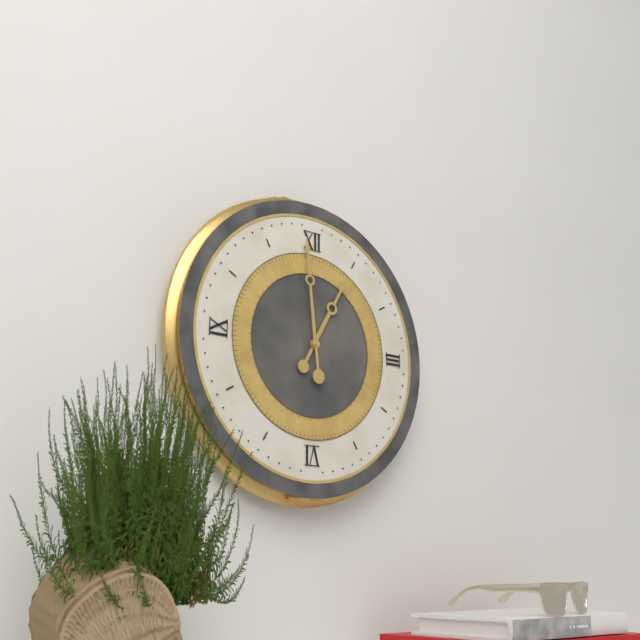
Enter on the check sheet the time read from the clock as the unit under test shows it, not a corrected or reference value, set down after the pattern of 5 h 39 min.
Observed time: 12 h 59 min
